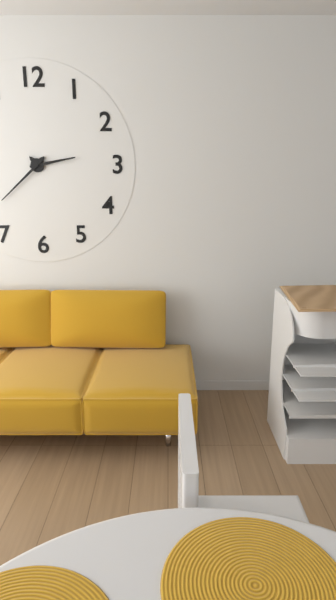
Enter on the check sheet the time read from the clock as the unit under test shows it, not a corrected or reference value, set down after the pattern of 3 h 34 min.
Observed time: 2 h 38 min
